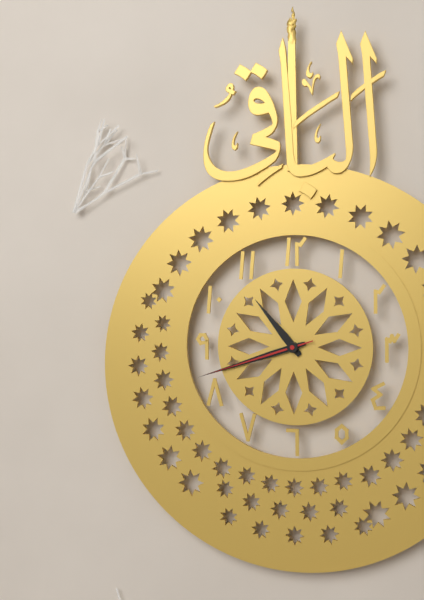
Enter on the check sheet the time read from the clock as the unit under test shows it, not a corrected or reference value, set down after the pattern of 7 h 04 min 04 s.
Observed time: 10 h 42 min 42 s
